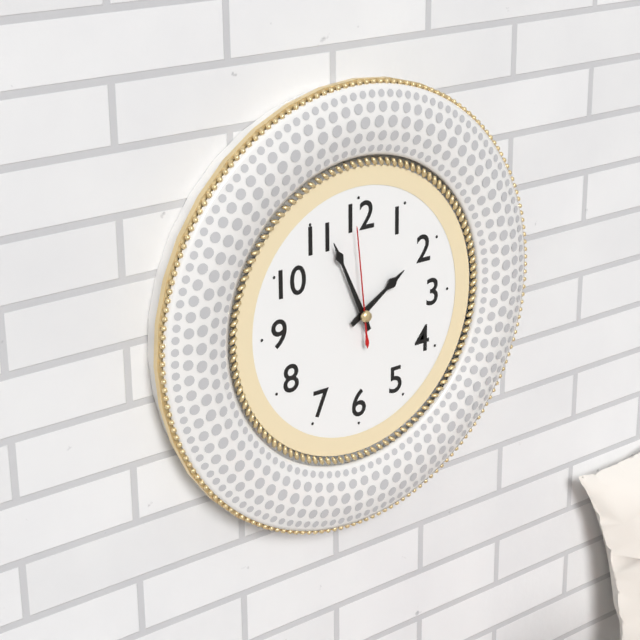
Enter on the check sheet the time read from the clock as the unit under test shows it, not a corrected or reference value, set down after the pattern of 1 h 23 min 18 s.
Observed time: 1 h 56 min 59 s
